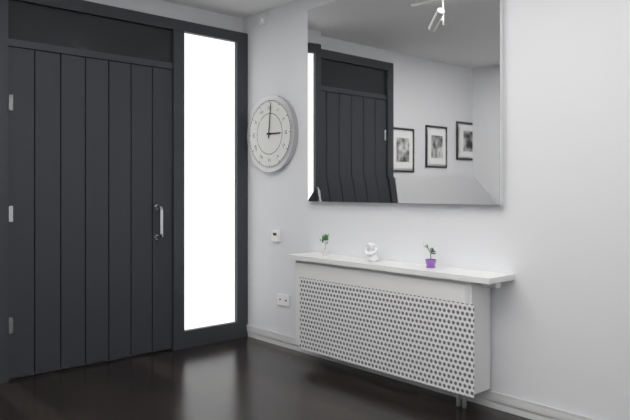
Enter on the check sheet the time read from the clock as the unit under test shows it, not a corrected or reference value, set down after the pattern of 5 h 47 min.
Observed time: 3 h 01 min
